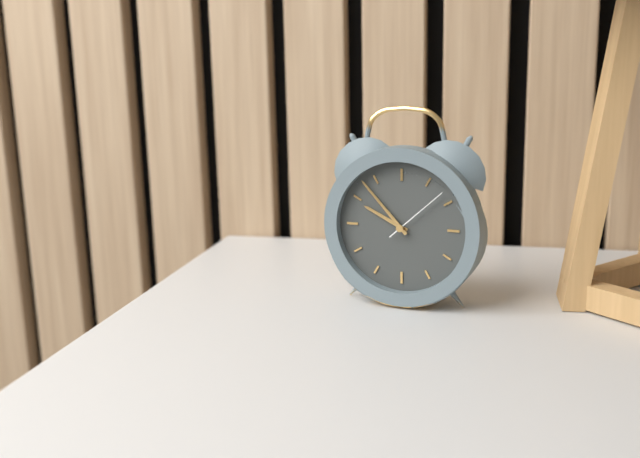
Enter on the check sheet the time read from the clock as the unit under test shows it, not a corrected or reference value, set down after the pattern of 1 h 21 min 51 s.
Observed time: 9 h 53 min 08 s
